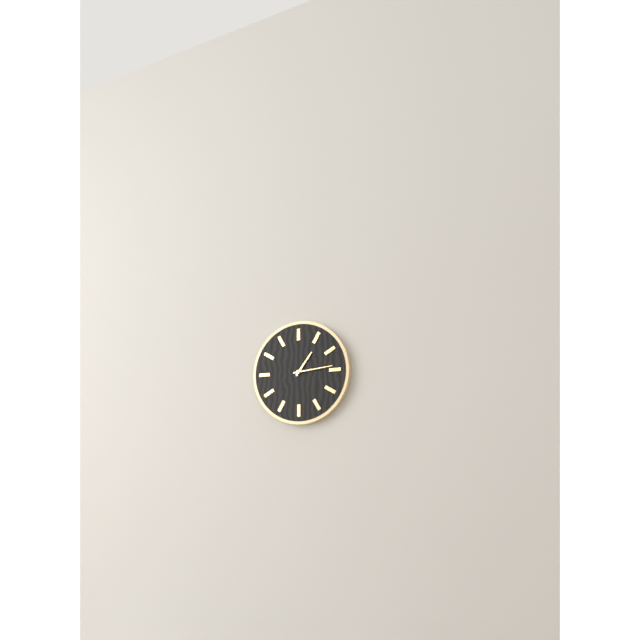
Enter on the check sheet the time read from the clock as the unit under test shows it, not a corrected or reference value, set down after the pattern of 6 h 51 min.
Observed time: 1 h 14 min
